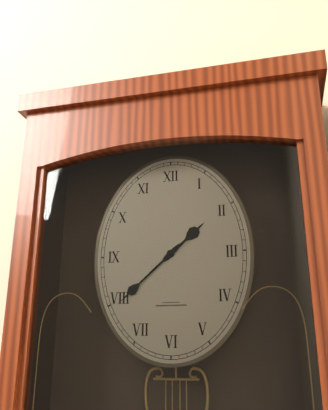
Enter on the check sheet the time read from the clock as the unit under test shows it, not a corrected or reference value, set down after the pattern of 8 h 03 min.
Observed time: 1 h 38 min
